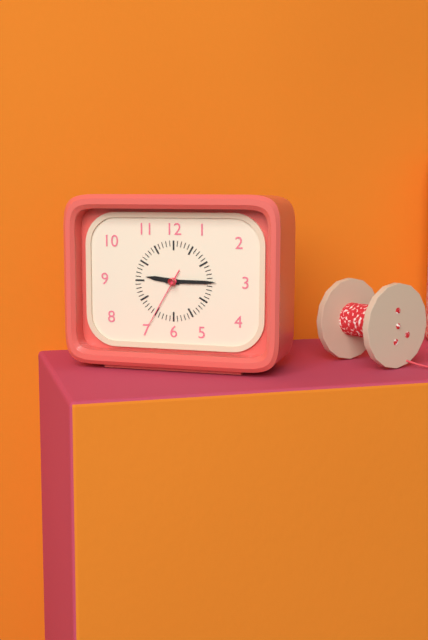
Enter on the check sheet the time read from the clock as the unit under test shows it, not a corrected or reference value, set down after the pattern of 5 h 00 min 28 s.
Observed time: 9 h 15 min 35 s
